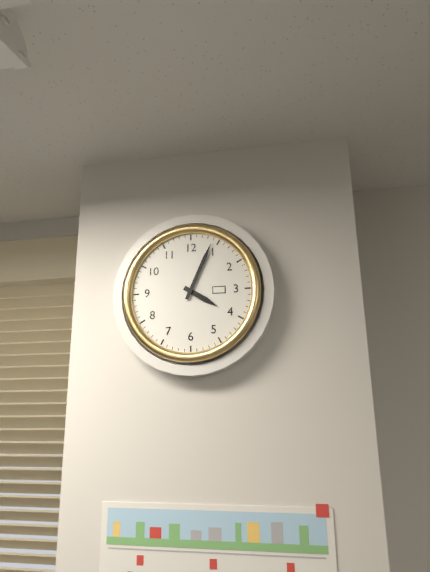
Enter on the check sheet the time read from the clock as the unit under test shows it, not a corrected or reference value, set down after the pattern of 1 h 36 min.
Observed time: 4 h 04 min
